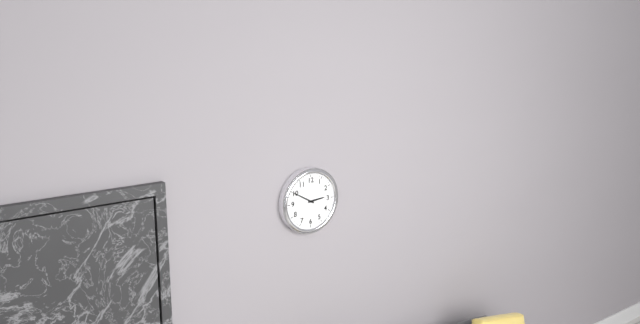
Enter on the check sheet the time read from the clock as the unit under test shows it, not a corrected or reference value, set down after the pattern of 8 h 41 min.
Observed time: 2 h 50 min
